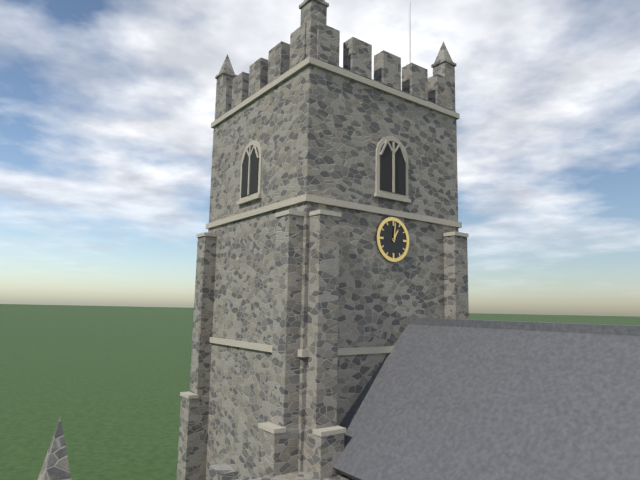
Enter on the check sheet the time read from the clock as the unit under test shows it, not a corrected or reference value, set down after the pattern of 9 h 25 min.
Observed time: 1 h 01 min
